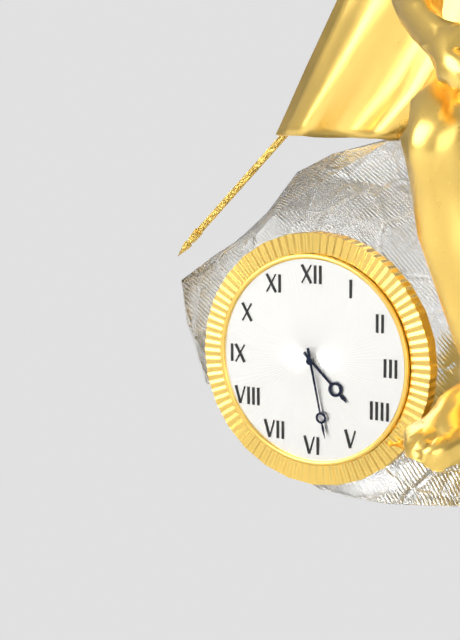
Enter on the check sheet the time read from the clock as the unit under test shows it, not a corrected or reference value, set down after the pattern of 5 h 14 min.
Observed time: 4 h 28 min
